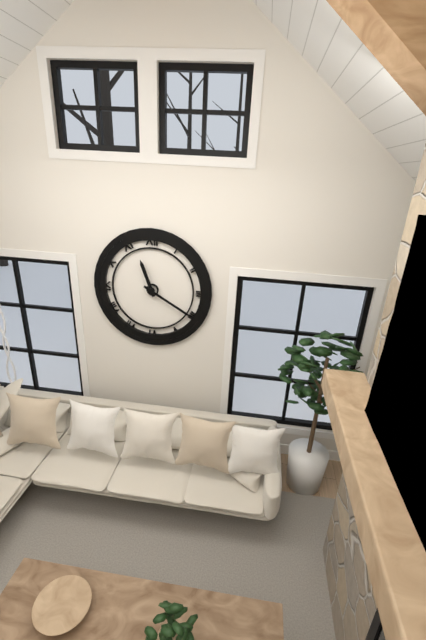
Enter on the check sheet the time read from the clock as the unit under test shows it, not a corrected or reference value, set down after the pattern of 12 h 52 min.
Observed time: 11 h 20 min
